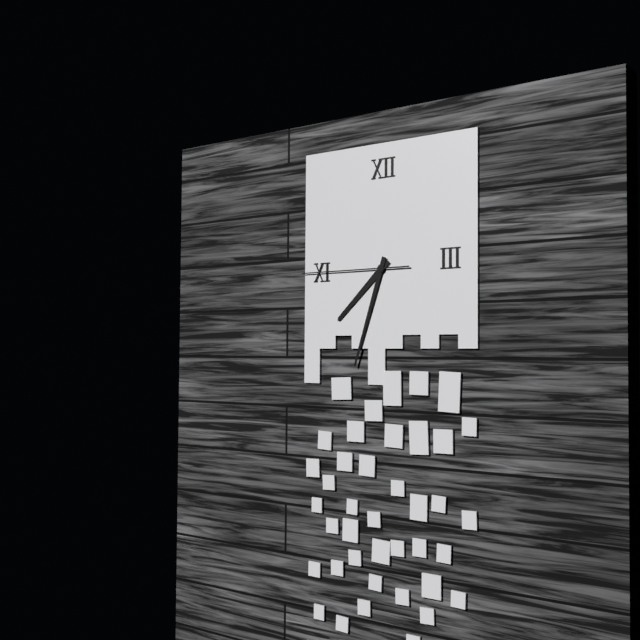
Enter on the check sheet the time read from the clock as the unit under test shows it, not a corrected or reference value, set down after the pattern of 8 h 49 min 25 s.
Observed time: 7 h 33 min 45 s
